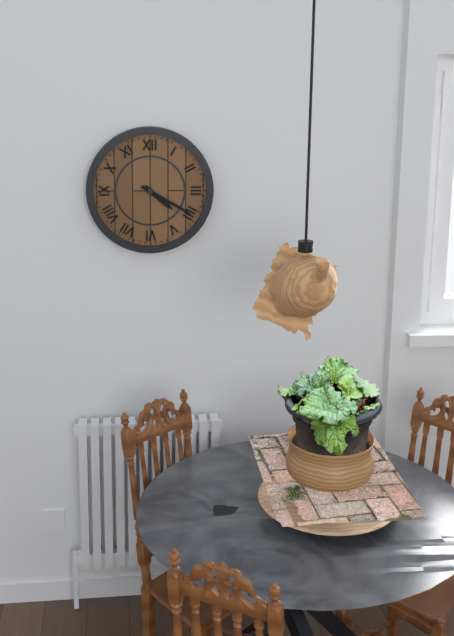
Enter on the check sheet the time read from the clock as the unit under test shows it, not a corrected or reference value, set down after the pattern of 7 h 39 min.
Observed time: 4 h 20 min
